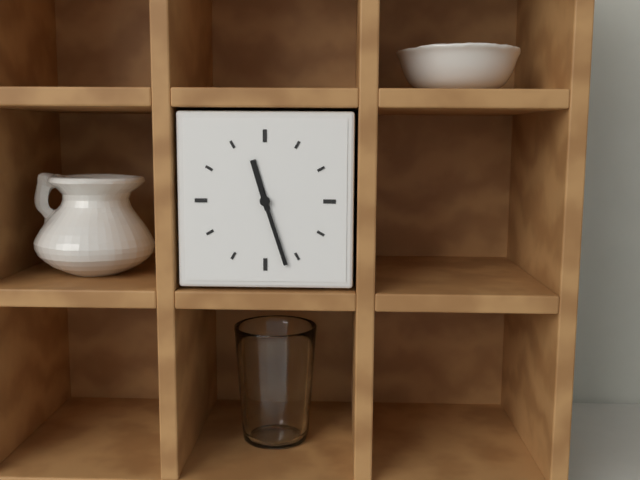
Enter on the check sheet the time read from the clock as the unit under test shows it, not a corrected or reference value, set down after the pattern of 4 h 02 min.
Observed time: 11 h 27 min
